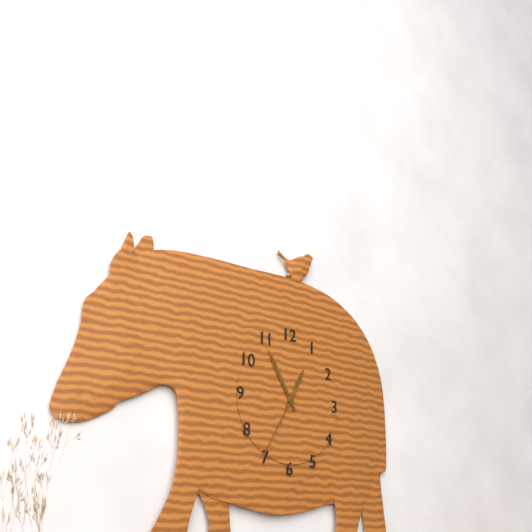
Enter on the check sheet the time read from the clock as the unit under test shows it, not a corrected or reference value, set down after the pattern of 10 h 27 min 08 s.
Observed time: 12 h 55 min 35 s
